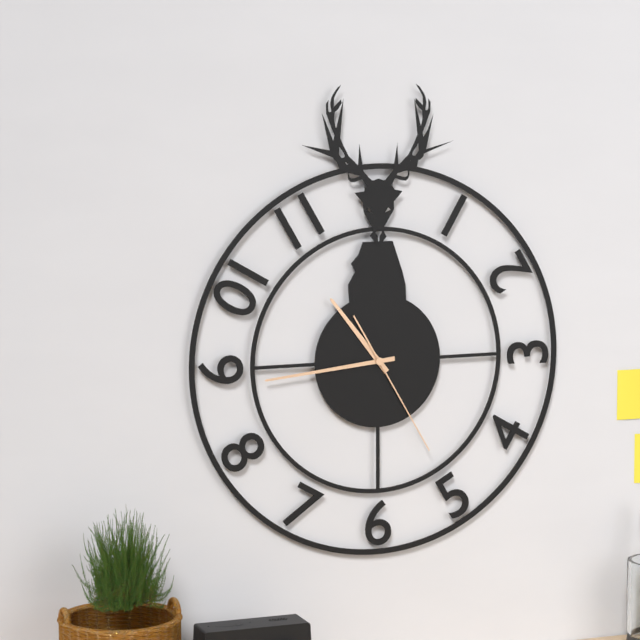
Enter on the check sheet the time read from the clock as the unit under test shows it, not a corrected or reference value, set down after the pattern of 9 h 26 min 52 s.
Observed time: 10 h 44 min 25 s
